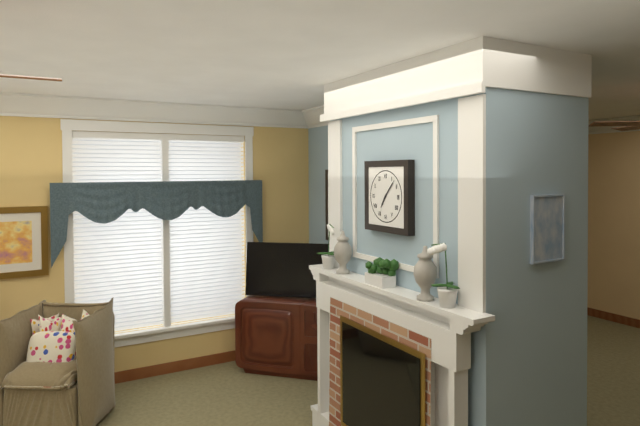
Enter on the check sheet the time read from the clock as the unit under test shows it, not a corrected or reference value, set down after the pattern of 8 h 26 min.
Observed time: 7 h 07 min
